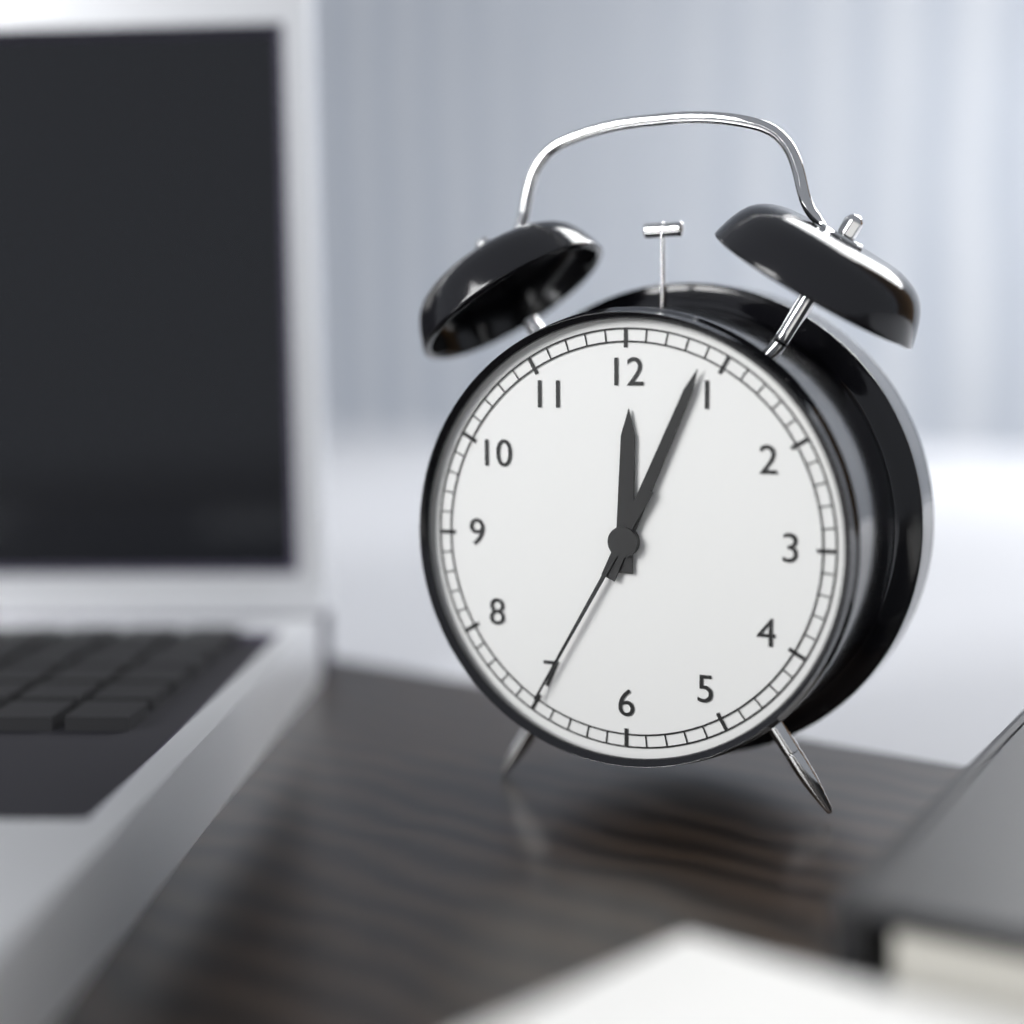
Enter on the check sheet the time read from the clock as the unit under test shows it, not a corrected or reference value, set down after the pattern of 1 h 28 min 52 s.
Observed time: 12 h 04 min 35 s
